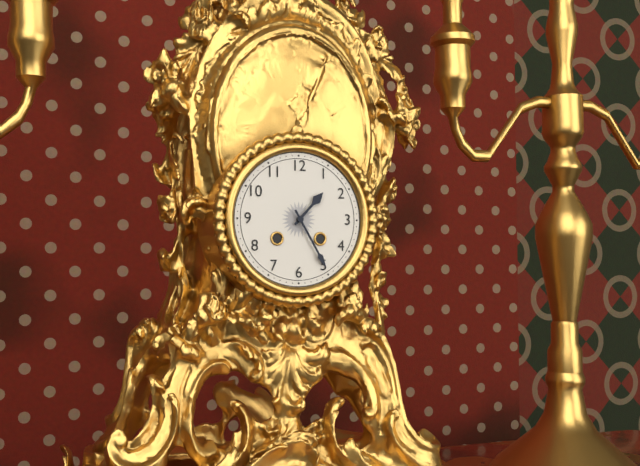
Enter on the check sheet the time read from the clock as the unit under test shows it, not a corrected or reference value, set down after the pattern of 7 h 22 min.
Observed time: 1 h 25 min
